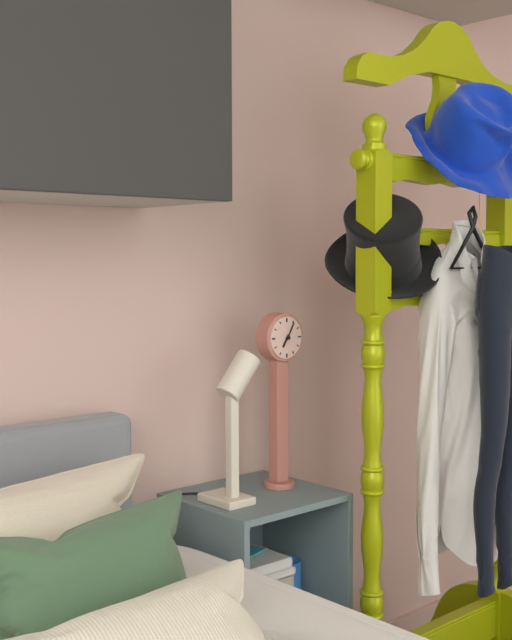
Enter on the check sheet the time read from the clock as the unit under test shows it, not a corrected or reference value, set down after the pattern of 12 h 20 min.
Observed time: 7 h 05 min
